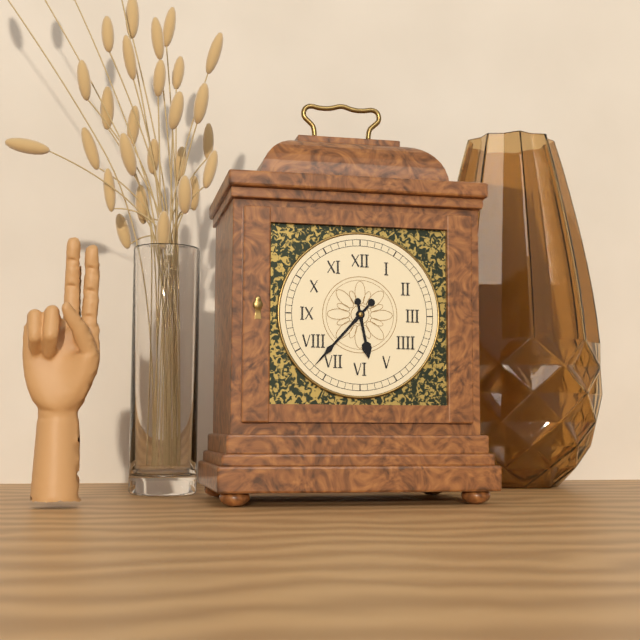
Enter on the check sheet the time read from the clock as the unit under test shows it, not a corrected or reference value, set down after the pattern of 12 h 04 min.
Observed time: 5 h 37 min
